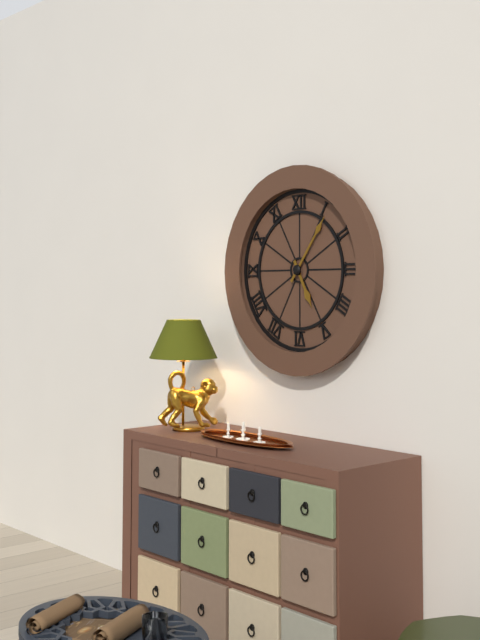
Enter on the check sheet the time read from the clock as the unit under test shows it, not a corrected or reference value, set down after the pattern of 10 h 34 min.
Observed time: 5 h 06 min
